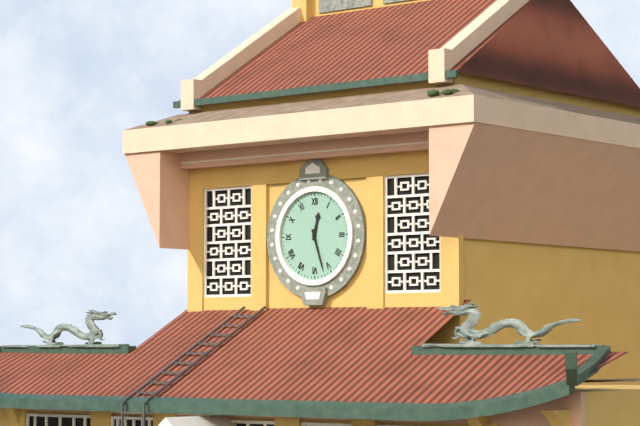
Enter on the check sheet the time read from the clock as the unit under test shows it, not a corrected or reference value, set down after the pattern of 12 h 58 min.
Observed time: 12 h 27 min
